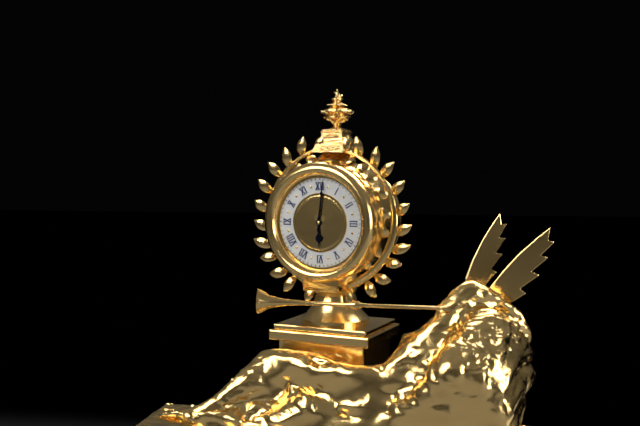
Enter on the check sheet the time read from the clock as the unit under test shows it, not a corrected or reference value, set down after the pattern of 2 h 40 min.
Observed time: 6 h 01 min
